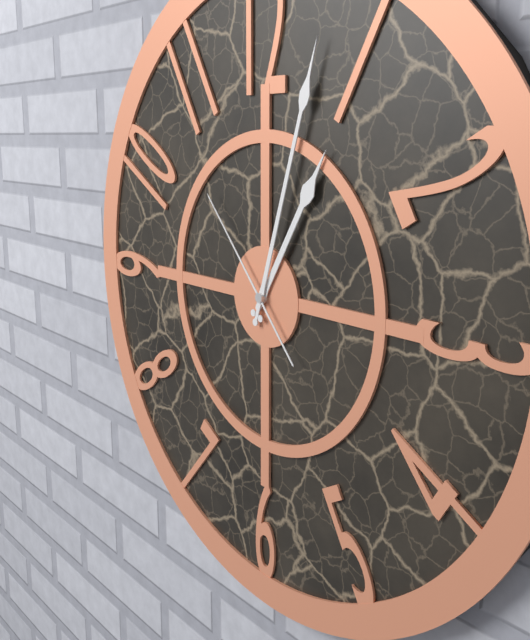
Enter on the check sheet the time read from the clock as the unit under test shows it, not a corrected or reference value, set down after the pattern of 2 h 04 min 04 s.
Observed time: 1 h 03 min 53 s
